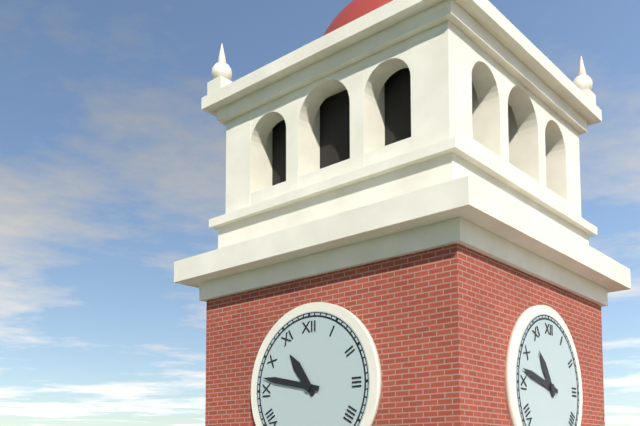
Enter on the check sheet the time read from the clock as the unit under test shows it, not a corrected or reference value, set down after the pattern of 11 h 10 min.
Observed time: 10 h 47 min
